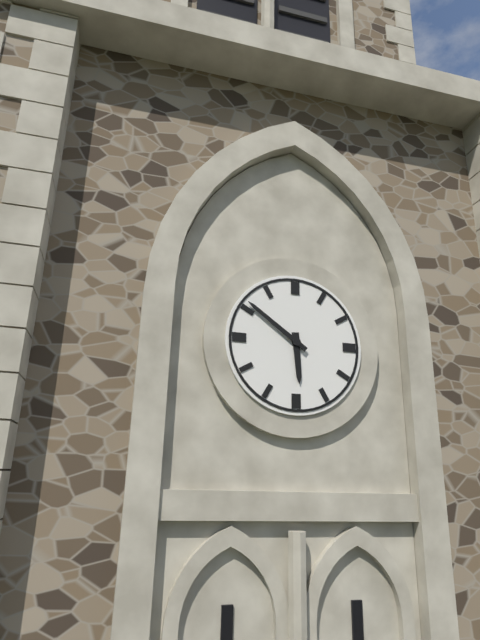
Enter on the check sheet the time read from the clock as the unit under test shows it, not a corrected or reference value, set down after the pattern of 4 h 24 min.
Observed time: 5 h 51 min
